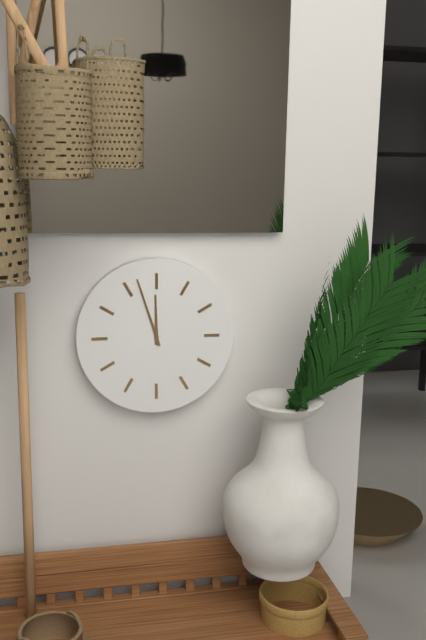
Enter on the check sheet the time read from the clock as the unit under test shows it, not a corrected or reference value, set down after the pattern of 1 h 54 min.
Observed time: 11 h 57 min
